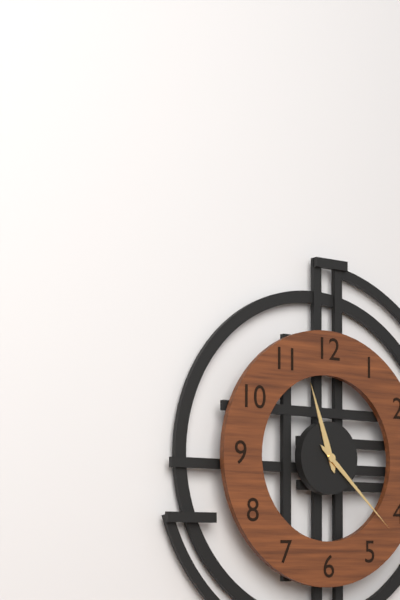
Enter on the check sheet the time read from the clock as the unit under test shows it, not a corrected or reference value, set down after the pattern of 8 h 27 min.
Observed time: 11 h 22 min
